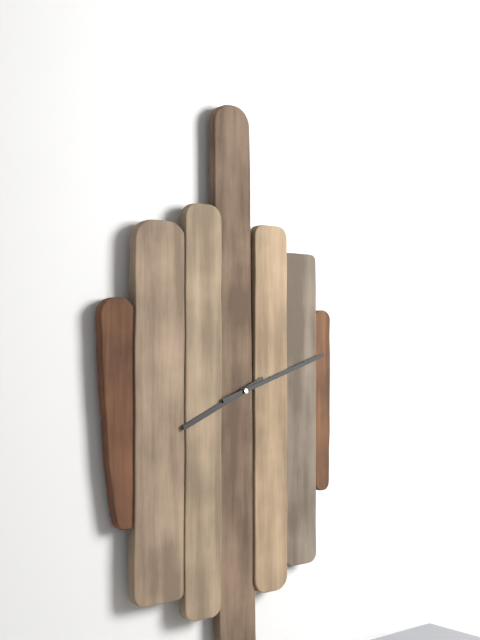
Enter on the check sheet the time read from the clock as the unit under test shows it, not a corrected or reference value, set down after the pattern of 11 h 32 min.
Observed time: 8 h 12 min
